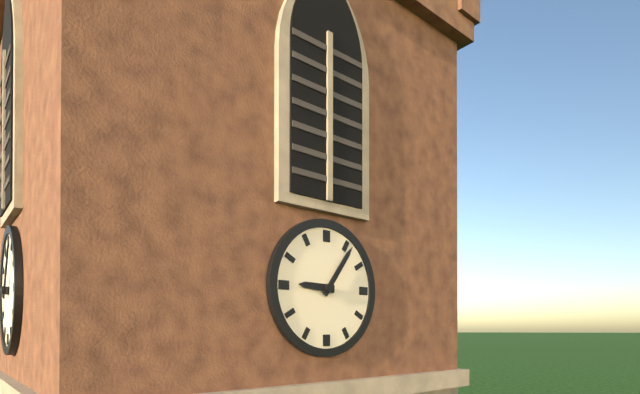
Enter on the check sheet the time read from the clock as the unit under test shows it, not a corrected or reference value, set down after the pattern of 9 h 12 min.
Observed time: 9 h 06 min
